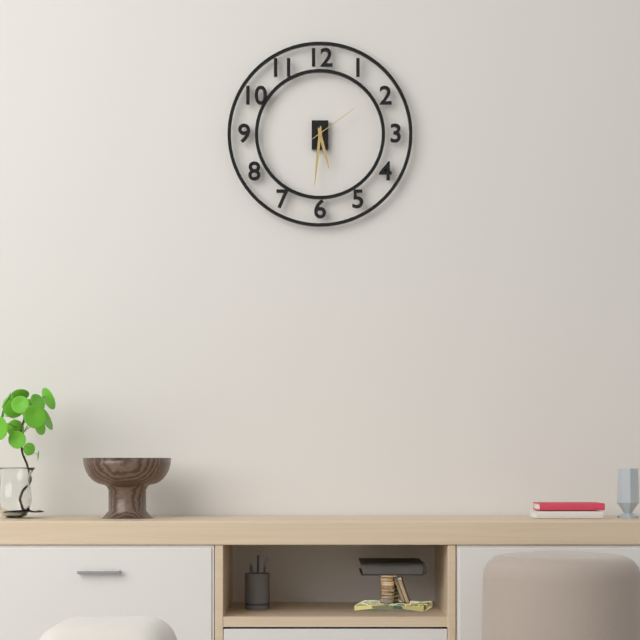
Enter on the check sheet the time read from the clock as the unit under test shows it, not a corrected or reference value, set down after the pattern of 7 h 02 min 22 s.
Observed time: 5 h 31 min 09 s
